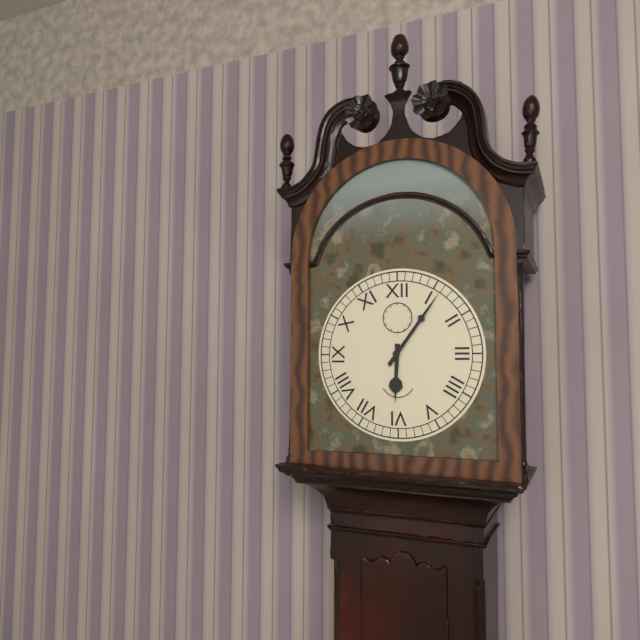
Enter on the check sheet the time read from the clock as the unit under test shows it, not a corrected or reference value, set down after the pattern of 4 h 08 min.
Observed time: 6 h 06 min
